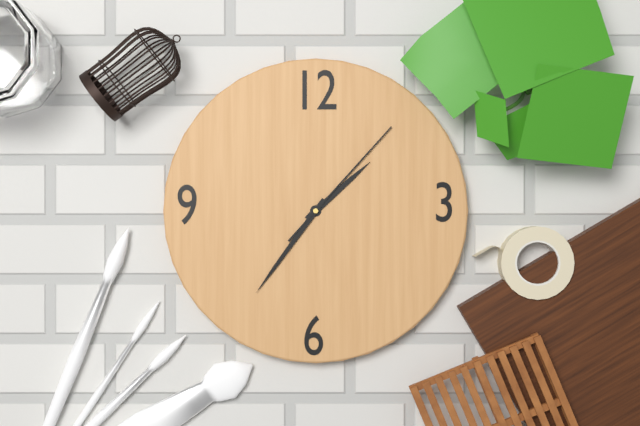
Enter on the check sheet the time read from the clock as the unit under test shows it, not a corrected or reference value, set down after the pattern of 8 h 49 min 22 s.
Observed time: 1 h 36 min 07 s
